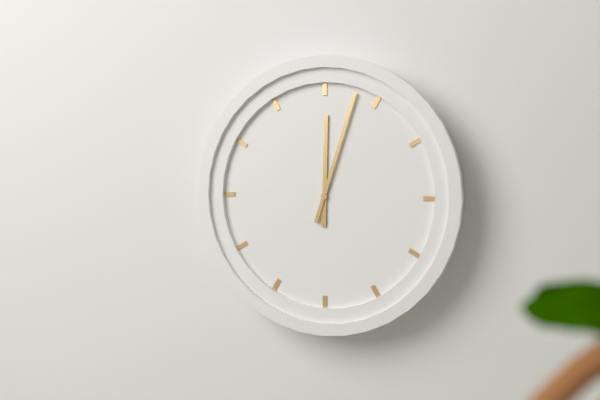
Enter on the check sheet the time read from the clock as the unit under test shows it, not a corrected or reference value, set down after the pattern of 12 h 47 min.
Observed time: 12 h 03 min
